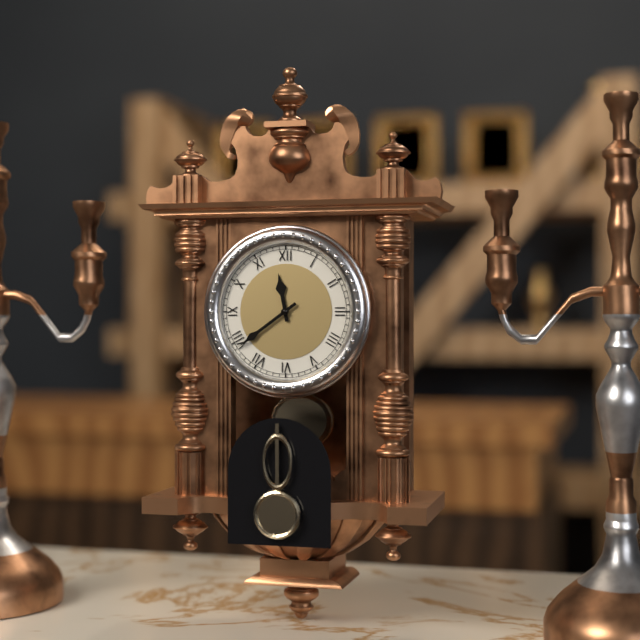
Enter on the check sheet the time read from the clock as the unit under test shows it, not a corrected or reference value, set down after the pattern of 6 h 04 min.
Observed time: 11 h 39 min
